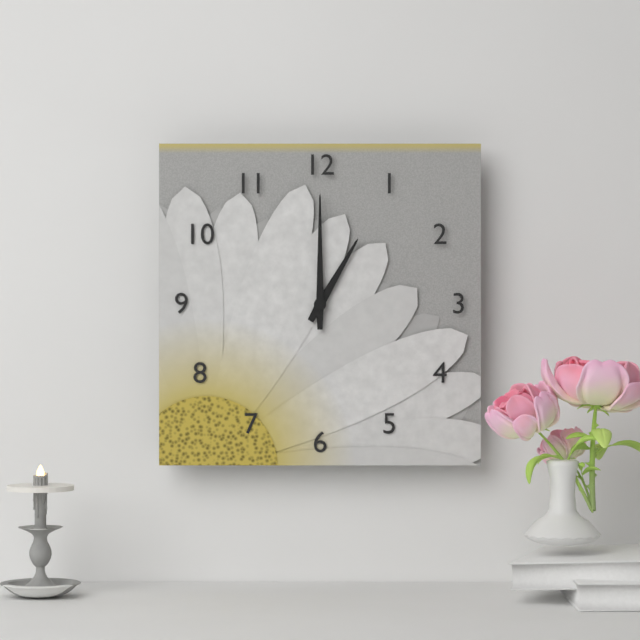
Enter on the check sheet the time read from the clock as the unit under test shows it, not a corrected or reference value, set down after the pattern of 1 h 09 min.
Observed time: 1 h 00 min
